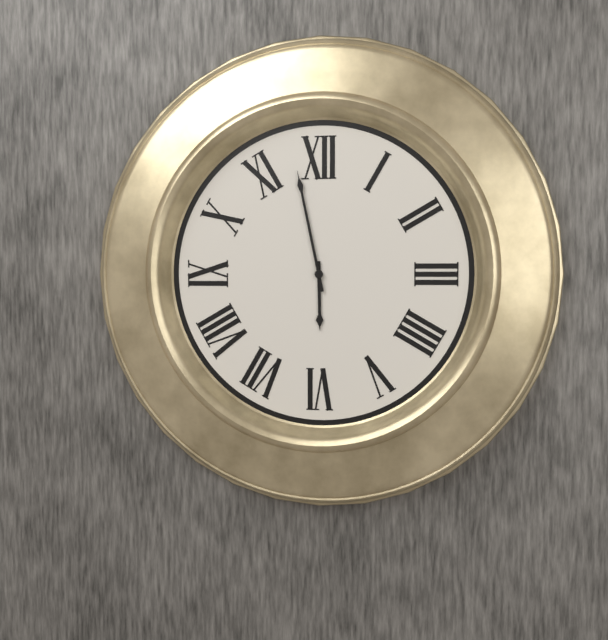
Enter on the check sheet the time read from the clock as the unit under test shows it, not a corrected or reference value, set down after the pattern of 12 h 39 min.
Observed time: 5 h 58 min
